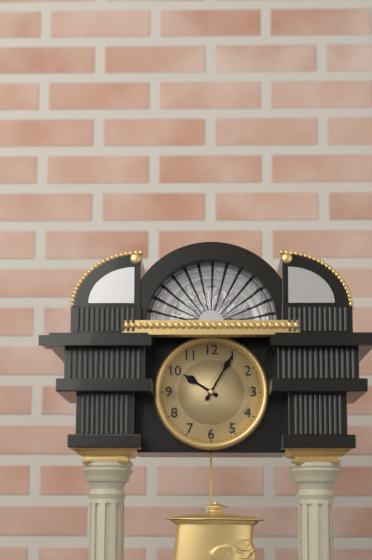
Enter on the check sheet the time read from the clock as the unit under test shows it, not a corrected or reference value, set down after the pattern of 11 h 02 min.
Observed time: 10 h 05 min
